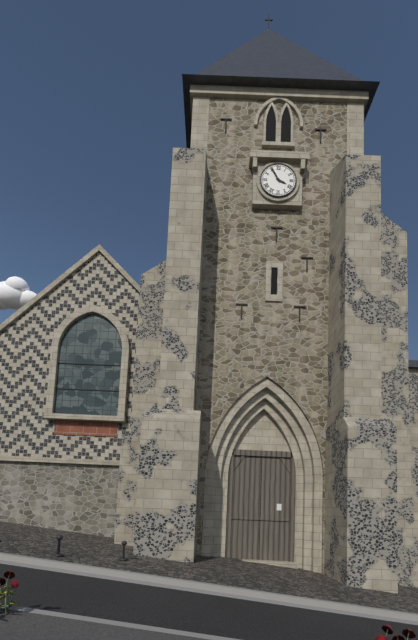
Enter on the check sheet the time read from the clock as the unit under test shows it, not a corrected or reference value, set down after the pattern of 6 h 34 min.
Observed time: 3 h 55 min
